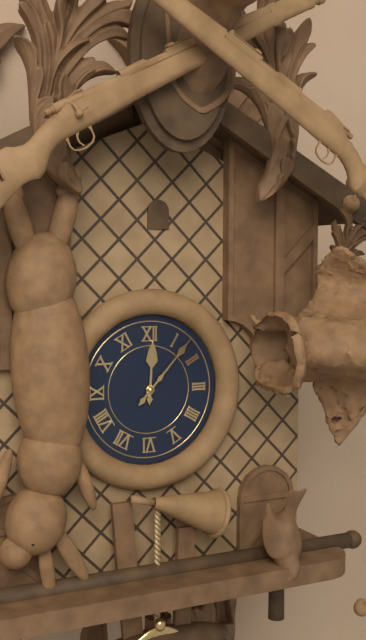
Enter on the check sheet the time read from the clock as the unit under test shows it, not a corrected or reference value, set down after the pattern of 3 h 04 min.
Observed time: 12 h 07 min
